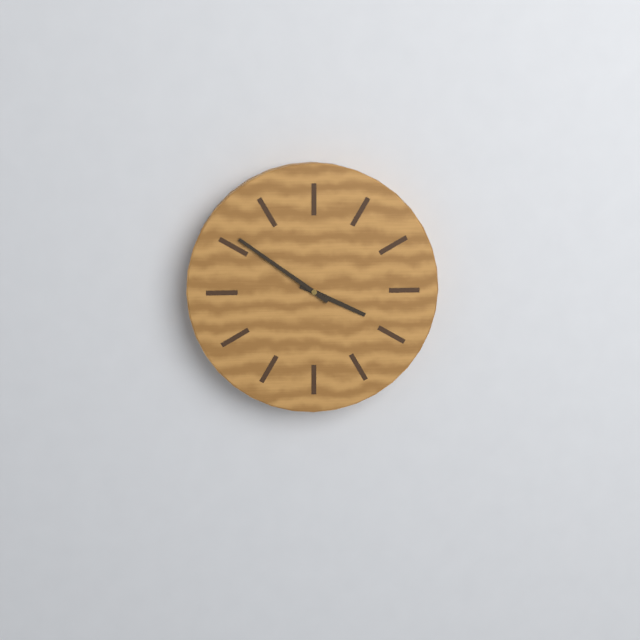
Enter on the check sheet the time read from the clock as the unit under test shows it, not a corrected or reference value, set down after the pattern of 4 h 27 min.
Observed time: 3 h 51 min
